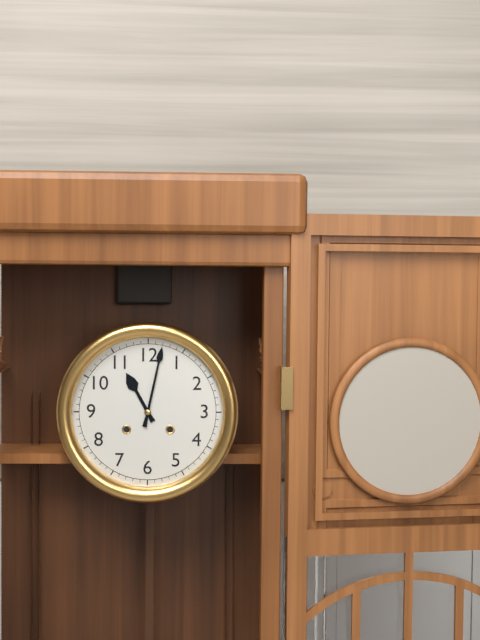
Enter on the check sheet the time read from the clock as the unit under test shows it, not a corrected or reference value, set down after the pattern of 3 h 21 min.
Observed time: 11 h 02 min
